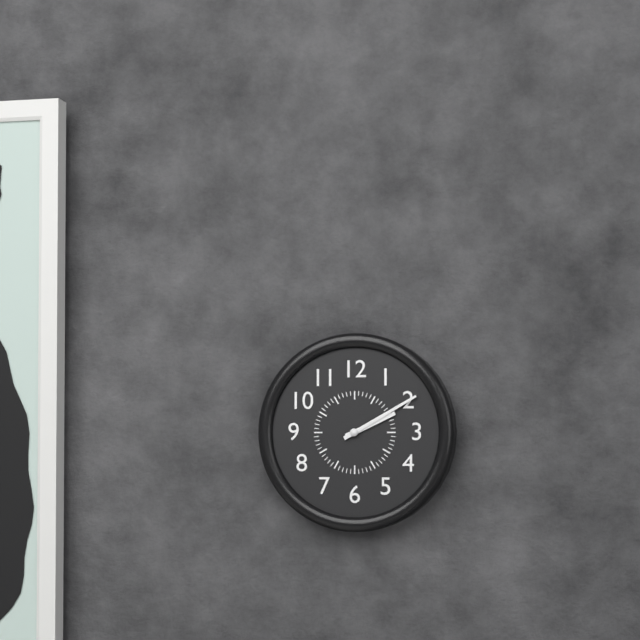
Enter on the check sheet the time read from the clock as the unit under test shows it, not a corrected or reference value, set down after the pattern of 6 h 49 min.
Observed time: 2 h 10 min
